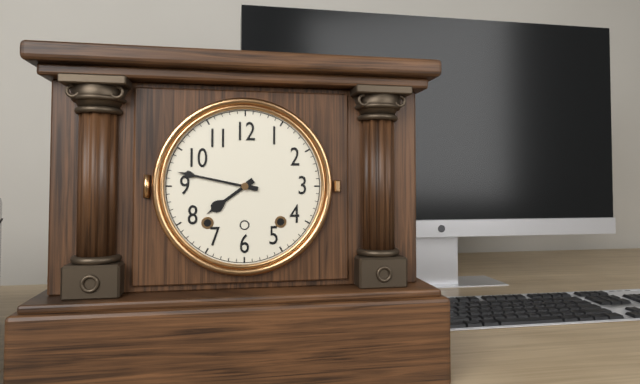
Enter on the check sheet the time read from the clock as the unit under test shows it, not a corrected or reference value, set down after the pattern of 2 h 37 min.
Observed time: 7 h 47 min
